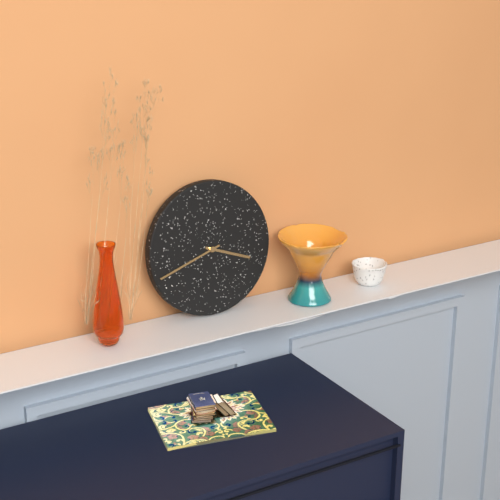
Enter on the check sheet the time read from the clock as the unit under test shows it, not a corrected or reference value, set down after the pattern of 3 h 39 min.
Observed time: 3 h 42 min
